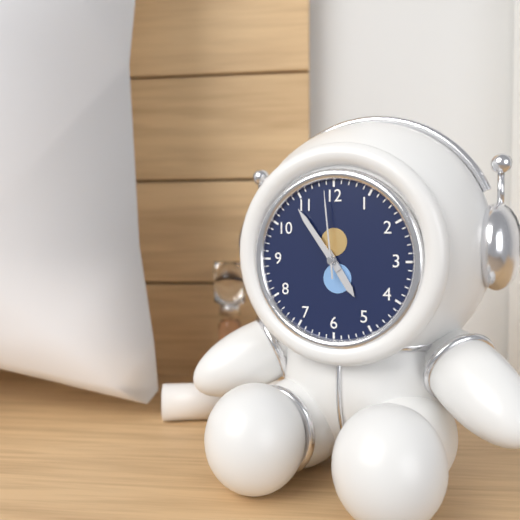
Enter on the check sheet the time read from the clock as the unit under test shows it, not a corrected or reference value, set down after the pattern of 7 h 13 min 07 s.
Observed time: 4 h 54 min 59 s
